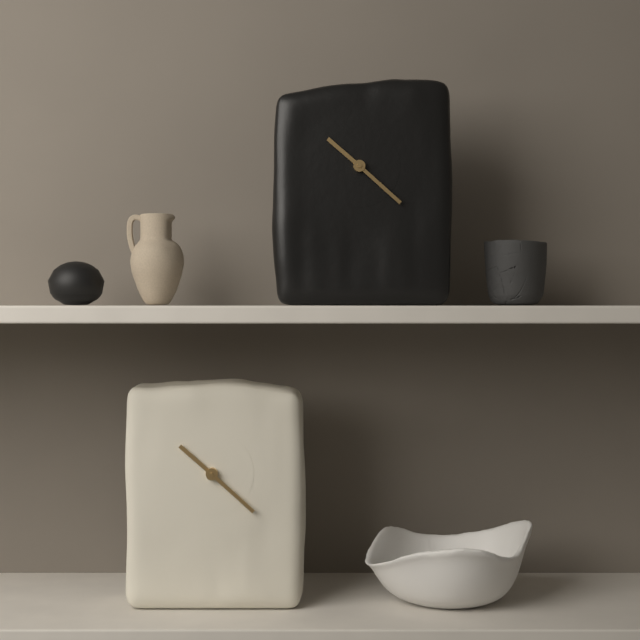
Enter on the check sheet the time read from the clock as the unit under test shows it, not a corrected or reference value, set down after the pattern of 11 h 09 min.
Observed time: 10 h 22 min
